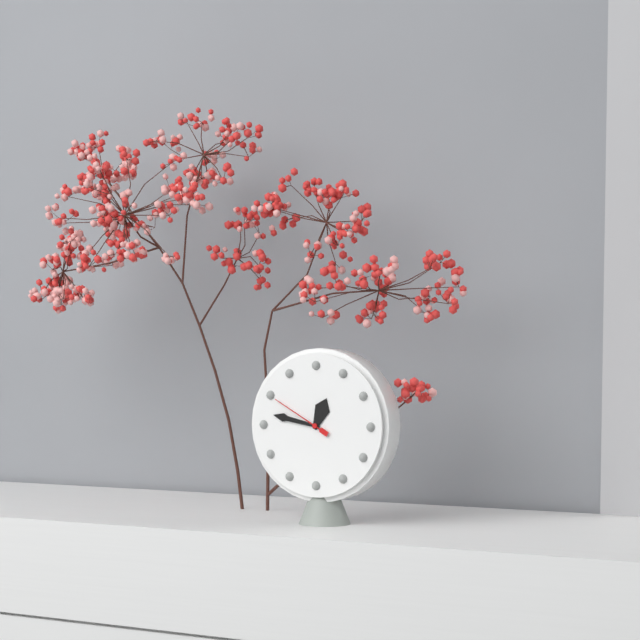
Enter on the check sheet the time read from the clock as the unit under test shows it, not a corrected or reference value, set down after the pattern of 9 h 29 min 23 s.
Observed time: 12 h 47 min 50 s
